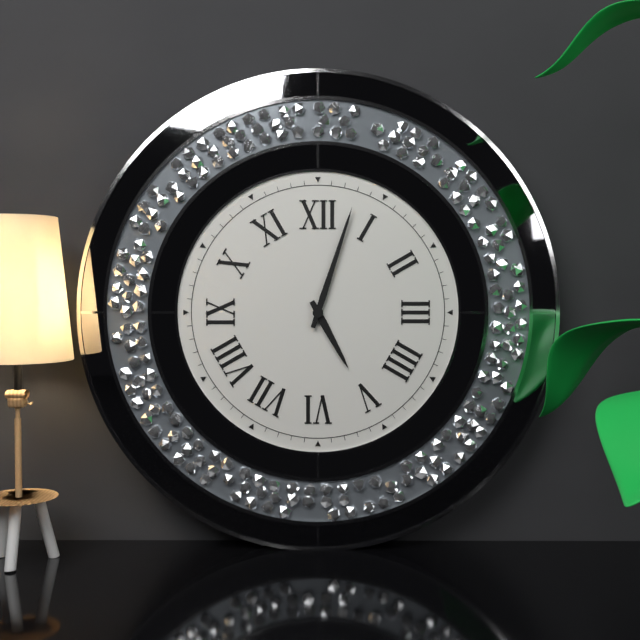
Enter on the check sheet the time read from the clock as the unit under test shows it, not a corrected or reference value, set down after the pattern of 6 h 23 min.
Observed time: 5 h 03 min
